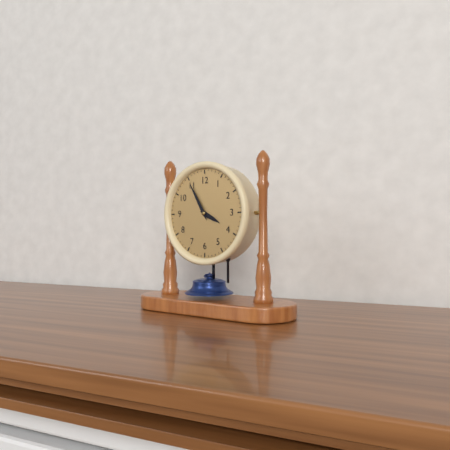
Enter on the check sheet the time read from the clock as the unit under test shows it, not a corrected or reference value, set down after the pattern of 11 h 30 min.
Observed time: 3 h 55 min
